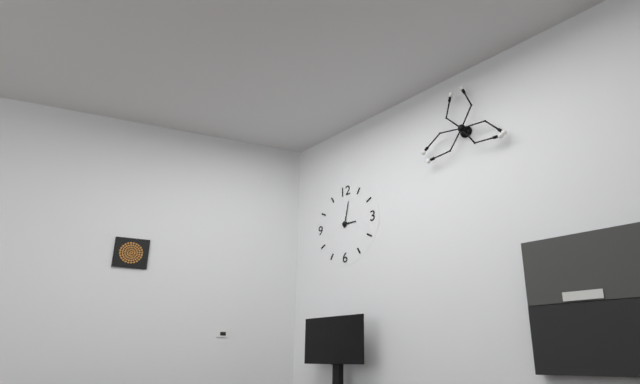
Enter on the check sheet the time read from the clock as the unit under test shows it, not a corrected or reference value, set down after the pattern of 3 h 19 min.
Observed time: 3 h 02 min
